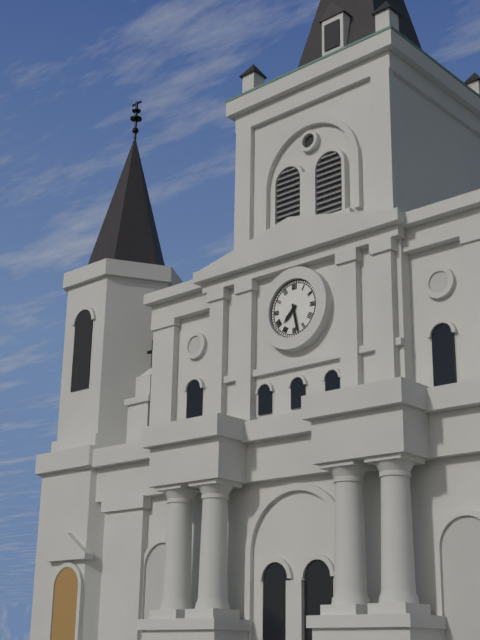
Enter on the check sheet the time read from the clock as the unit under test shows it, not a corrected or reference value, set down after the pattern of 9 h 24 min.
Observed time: 7 h 28 min
